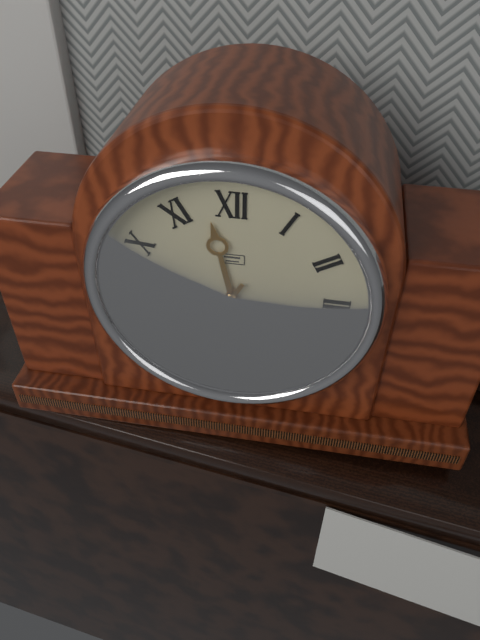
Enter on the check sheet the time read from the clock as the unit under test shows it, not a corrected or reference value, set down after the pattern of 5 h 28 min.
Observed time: 11 h 35 min
